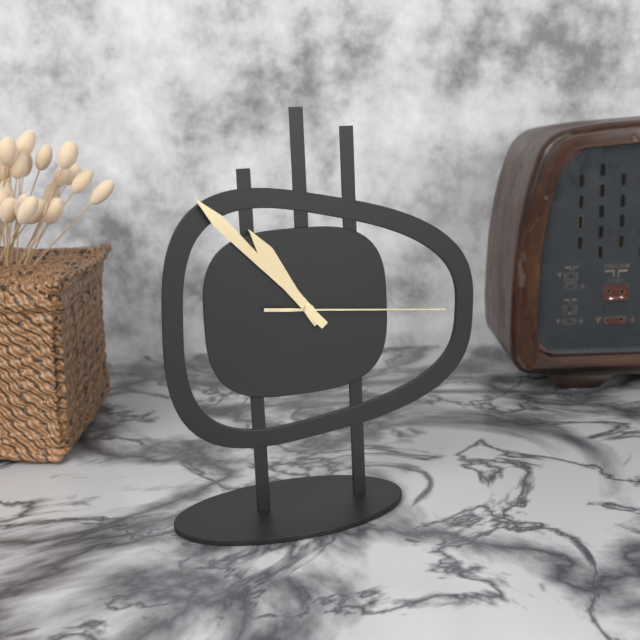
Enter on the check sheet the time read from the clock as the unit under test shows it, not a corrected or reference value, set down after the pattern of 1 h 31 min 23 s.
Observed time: 10 h 53 min 16 s
